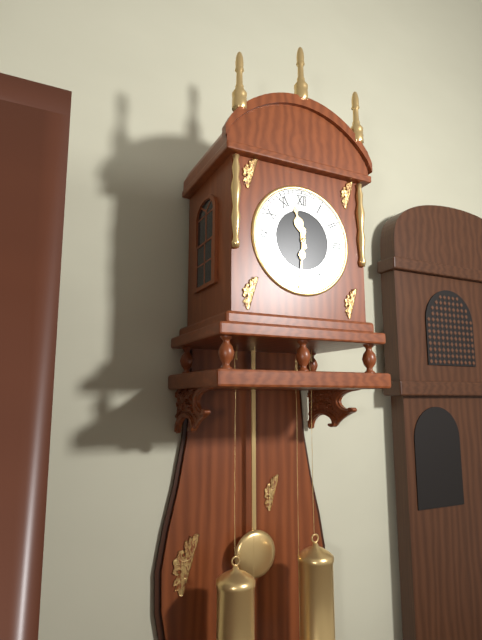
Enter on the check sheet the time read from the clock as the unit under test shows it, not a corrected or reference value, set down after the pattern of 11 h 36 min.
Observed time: 11 h 31 min
